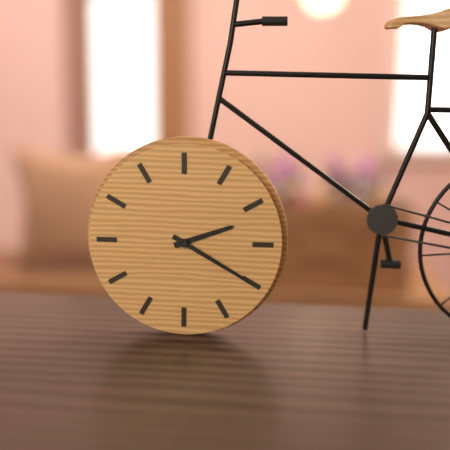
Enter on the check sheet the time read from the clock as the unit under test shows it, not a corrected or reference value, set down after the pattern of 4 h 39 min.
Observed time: 2 h 20 min
